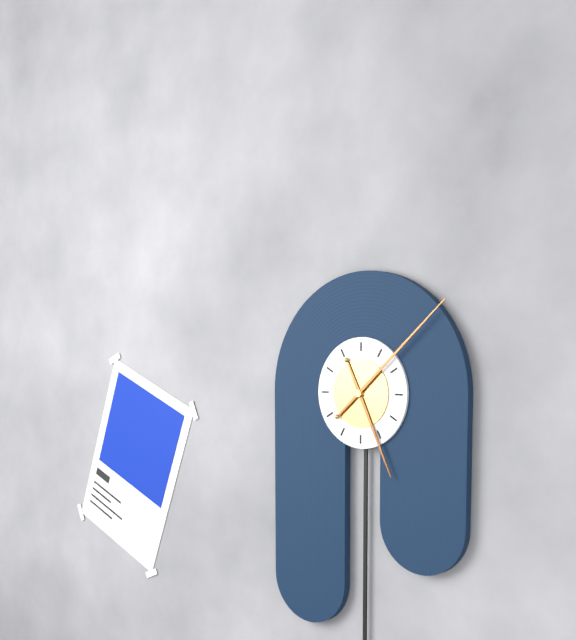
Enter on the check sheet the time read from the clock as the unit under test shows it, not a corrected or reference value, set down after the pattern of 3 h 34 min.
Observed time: 5 h 08 min
